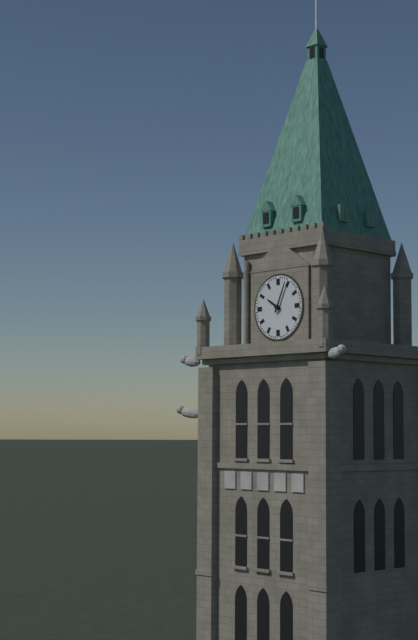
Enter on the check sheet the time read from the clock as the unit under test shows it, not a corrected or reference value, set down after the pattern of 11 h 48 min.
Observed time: 10 h 04 min
